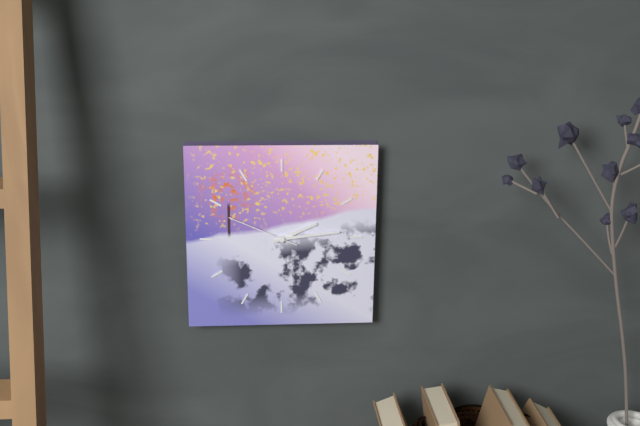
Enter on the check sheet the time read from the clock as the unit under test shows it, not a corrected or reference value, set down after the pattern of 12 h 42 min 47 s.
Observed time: 2 h 14 min 49 s
